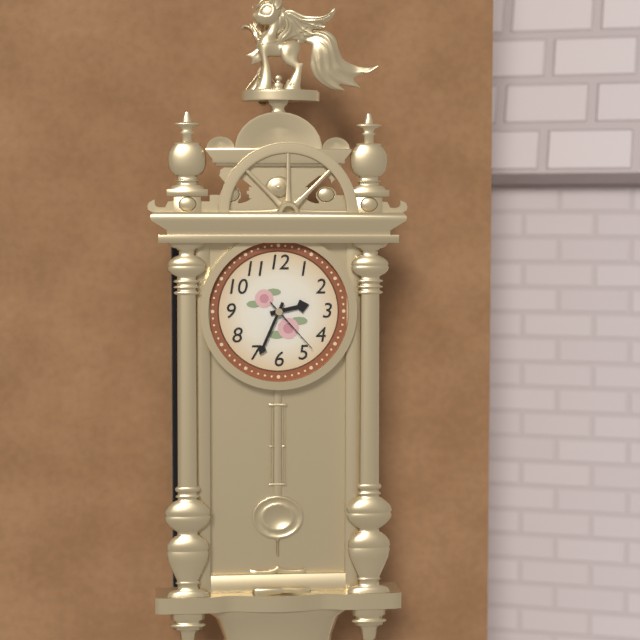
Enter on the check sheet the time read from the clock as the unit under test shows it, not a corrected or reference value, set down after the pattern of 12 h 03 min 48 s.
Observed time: 2 h 34 min 23 s
